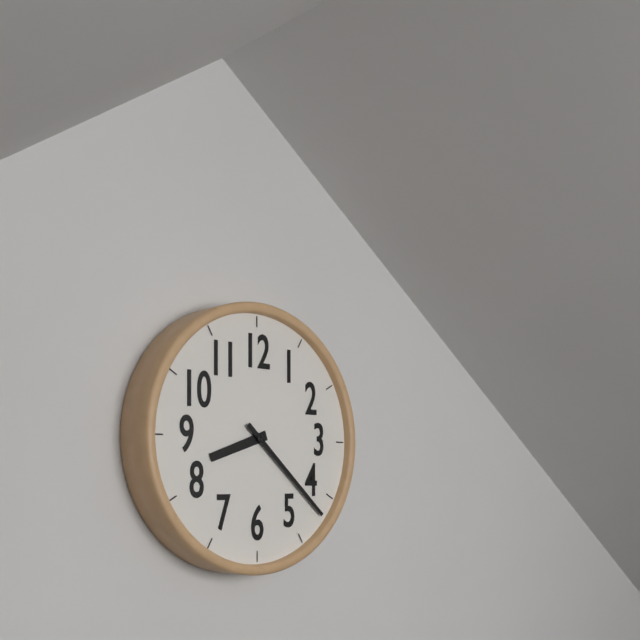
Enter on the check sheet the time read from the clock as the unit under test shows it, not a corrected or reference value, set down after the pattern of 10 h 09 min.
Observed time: 8 h 22 min
